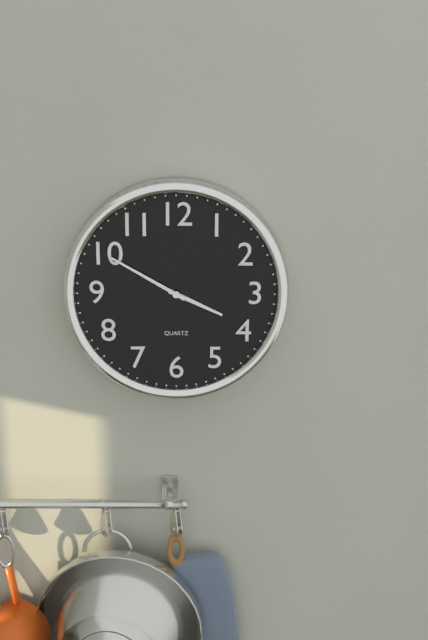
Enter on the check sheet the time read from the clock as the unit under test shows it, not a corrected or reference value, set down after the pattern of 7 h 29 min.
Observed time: 3 h 50 min
